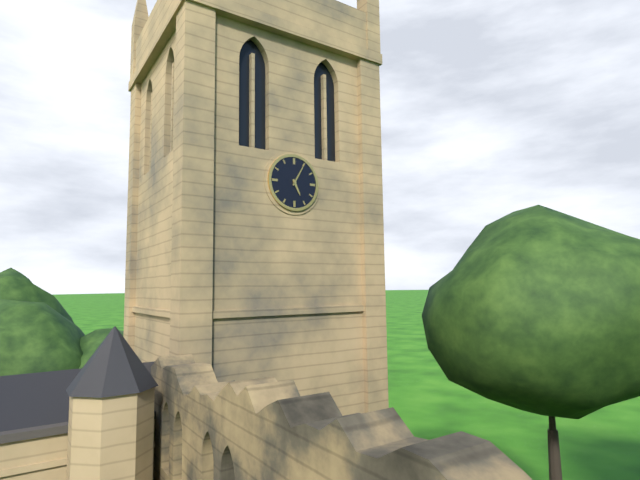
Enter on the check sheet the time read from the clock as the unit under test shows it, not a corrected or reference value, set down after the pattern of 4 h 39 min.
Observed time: 5 h 05 min
